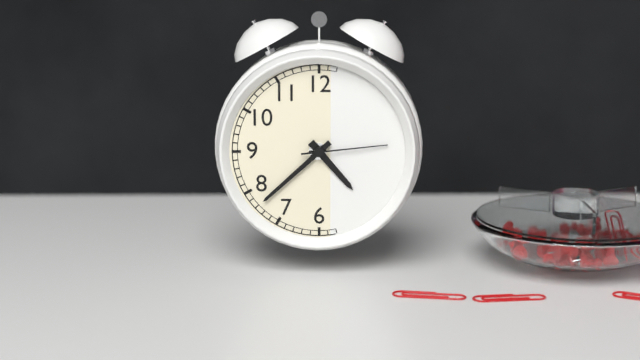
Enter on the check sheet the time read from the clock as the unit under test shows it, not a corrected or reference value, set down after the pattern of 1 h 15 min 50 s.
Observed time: 4 h 38 min 14 s
